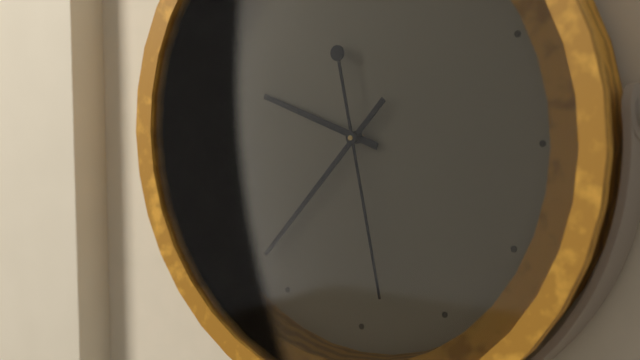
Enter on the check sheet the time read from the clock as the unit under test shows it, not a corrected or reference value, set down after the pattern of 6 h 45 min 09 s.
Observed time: 9 h 37 min 28 s
